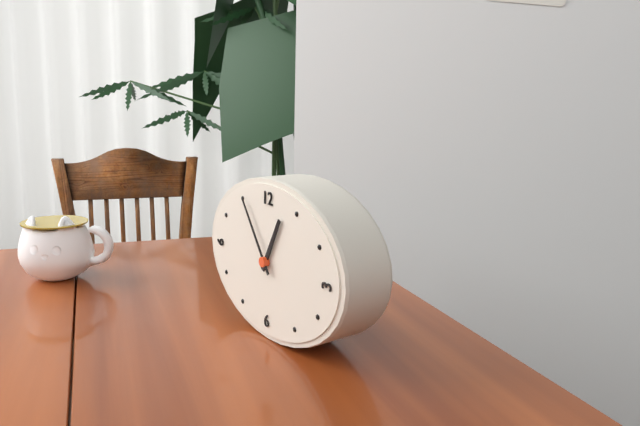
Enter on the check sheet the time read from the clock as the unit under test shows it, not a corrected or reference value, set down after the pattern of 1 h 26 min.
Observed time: 12 h 54 min
